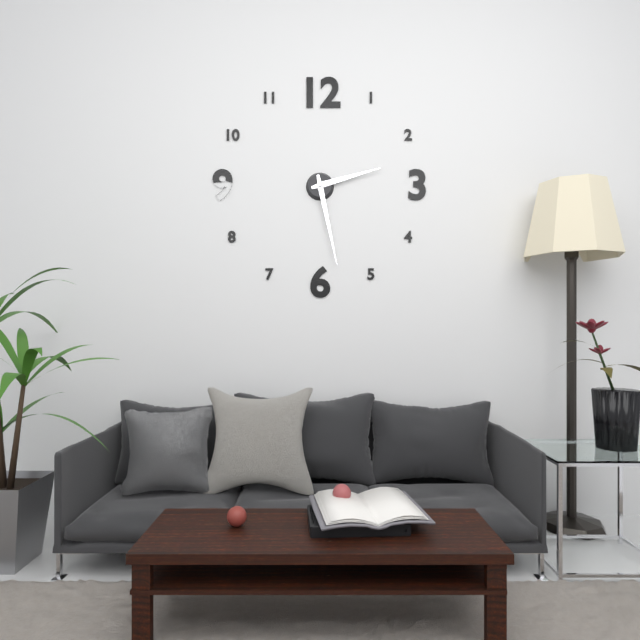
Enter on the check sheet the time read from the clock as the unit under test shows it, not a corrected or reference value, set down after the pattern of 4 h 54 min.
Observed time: 2 h 28 min
